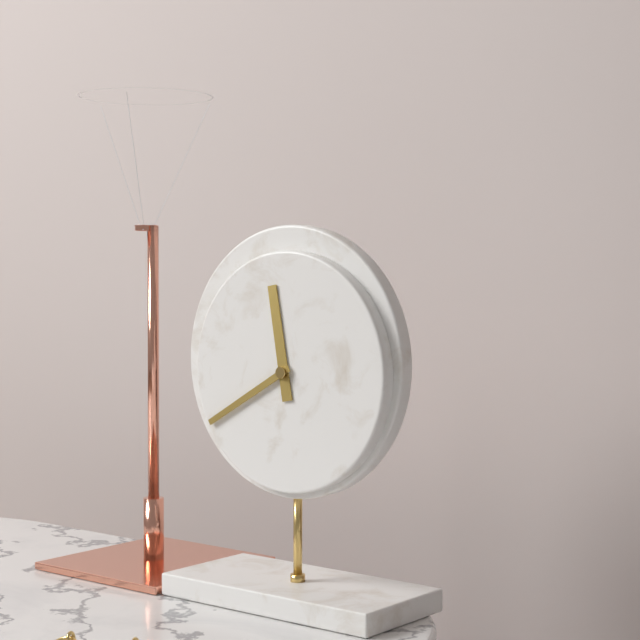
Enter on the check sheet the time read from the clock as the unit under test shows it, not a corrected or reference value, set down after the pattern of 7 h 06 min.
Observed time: 11 h 40 min
